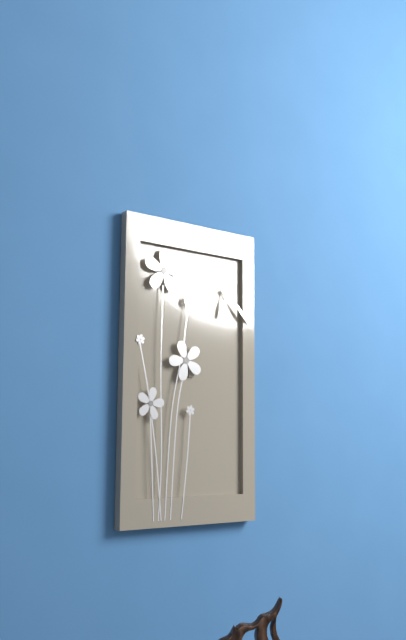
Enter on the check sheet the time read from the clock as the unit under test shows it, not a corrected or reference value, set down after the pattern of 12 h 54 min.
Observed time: 6 h 23 min
